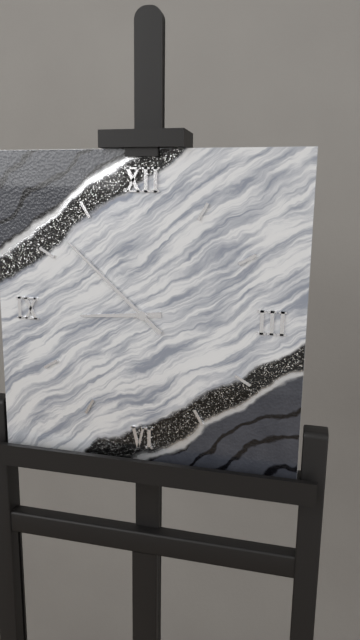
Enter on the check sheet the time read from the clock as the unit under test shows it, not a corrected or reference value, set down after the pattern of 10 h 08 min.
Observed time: 8 h 52 min
